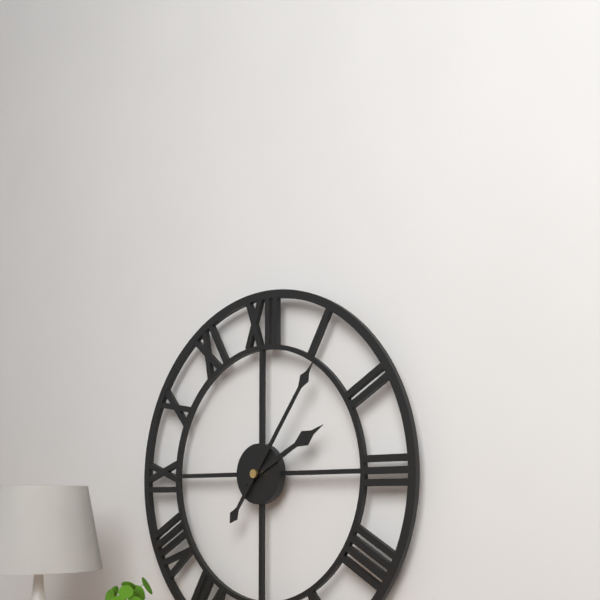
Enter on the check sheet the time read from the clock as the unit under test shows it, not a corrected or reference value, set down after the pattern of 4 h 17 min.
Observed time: 2 h 06 min
